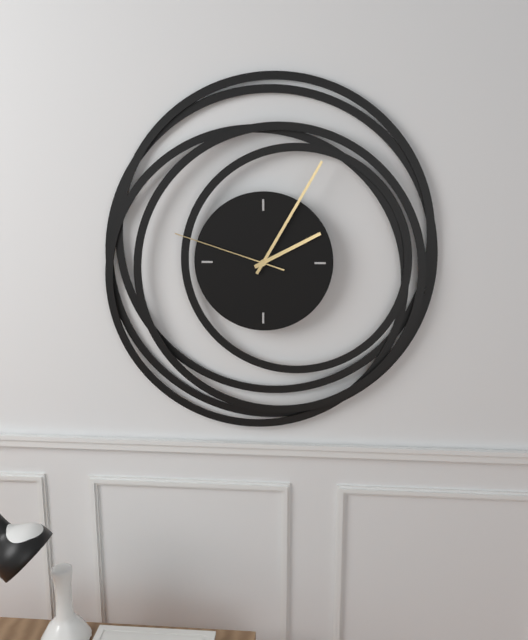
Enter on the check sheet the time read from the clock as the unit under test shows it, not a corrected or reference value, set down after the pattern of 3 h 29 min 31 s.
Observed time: 2 h 05 min 48 s
